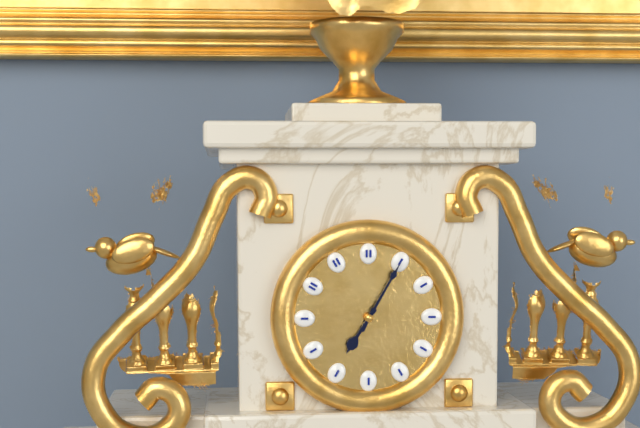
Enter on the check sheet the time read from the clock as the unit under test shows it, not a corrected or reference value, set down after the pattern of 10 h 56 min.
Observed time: 7 h 05 min
